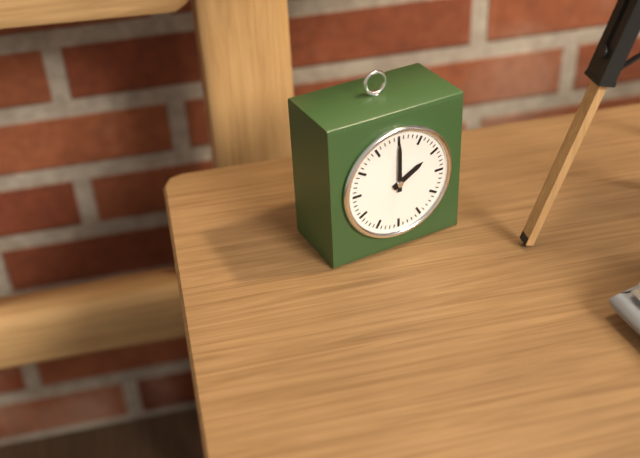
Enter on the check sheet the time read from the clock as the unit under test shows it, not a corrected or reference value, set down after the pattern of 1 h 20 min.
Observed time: 2 h 00 min
